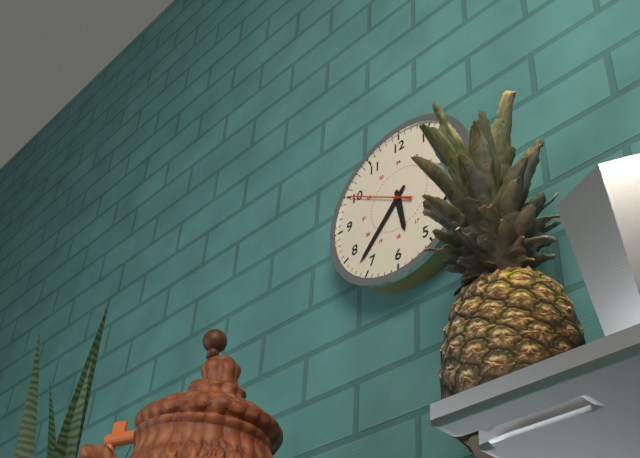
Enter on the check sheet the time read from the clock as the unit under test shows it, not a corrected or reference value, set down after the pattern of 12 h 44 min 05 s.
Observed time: 5 h 37 min 50 s
